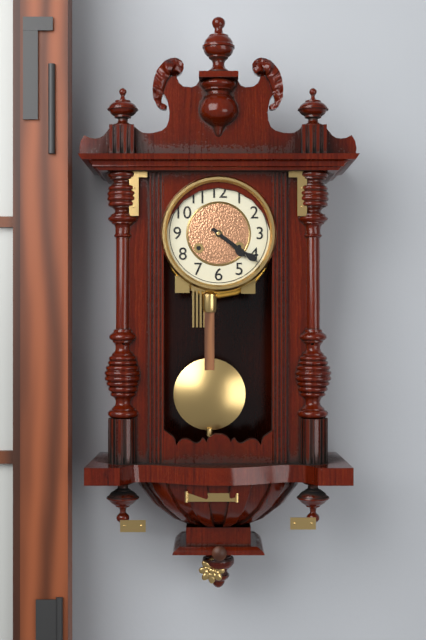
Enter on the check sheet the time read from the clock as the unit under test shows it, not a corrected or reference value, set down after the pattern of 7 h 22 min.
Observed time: 4 h 21 min
